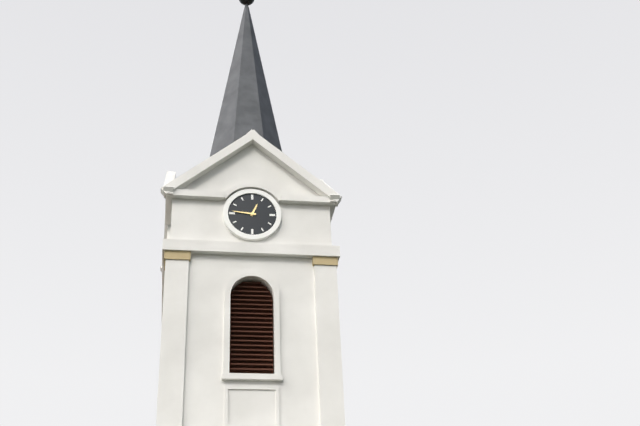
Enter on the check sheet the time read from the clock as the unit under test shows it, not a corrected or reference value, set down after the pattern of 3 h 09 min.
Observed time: 12 h 46 min
